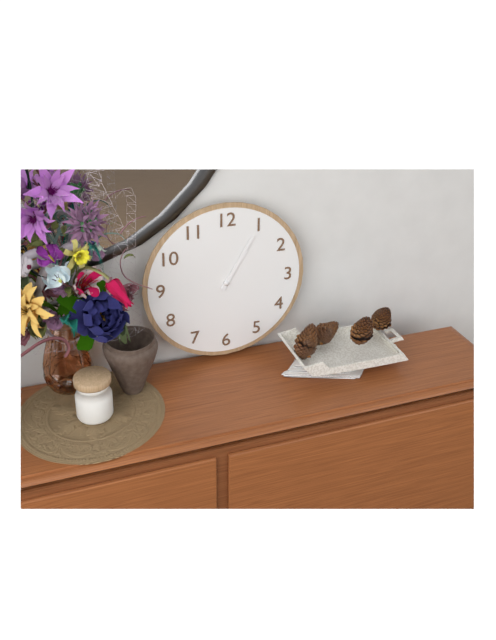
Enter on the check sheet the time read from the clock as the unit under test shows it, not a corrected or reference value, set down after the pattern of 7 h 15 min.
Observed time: 1 h 05 min
